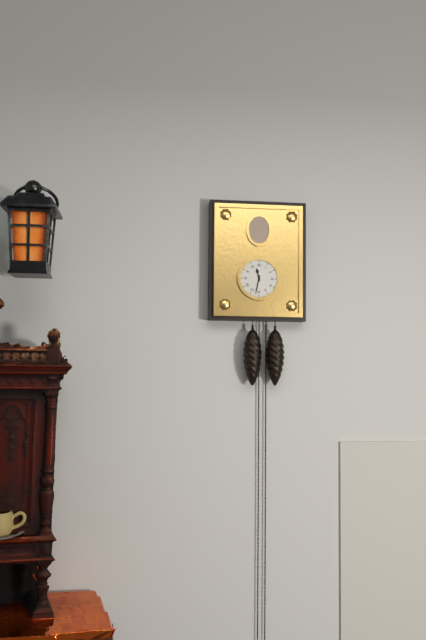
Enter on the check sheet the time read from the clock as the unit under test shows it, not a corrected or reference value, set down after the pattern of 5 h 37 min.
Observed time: 11 h 32 min
